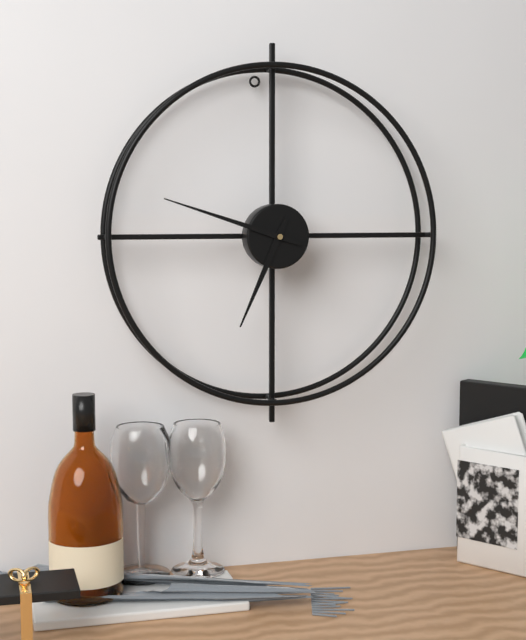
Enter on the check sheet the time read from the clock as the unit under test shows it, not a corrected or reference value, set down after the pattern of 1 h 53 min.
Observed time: 6 h 48 min
